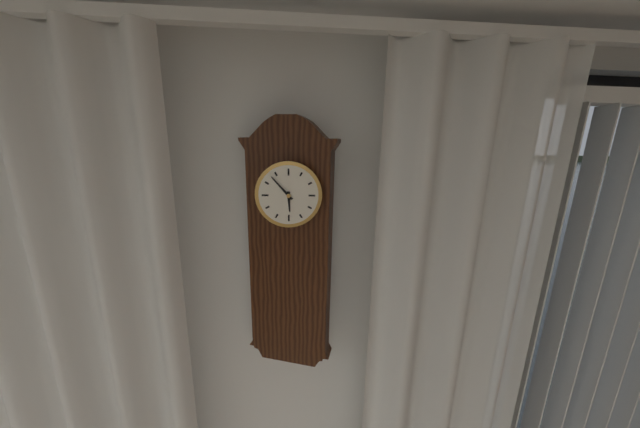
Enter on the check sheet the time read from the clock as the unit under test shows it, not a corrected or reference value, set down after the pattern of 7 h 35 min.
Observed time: 5 h 53 min
